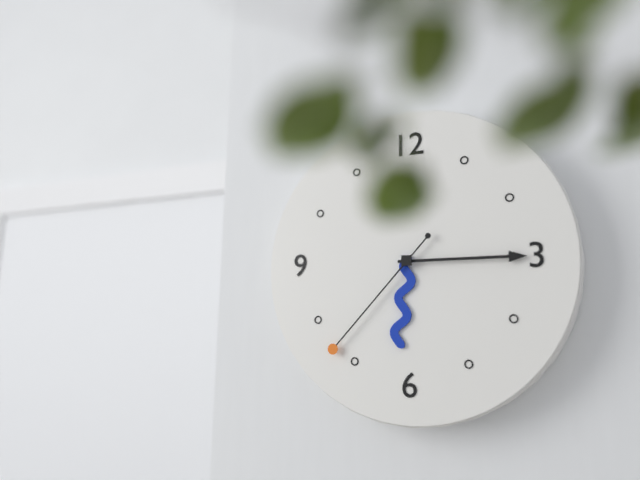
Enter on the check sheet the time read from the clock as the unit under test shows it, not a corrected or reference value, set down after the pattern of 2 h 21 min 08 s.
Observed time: 6 h 15 min 37 s
